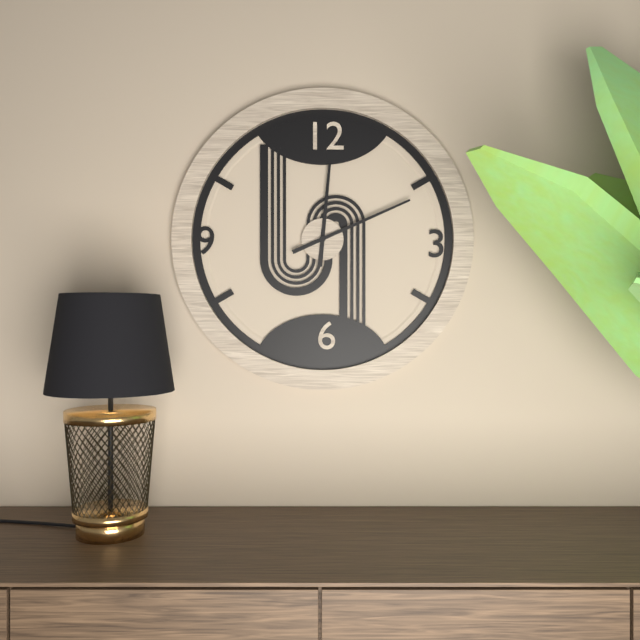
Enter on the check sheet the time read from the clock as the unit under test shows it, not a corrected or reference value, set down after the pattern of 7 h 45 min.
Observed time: 12 h 11 min
